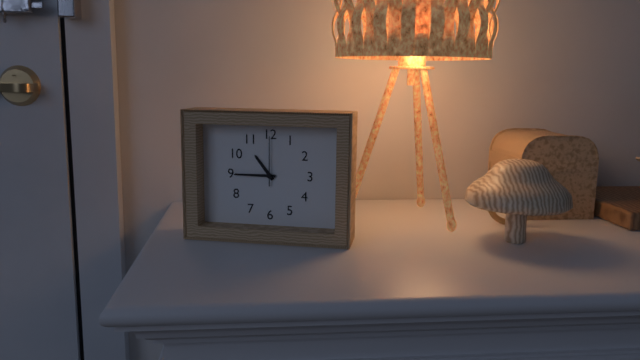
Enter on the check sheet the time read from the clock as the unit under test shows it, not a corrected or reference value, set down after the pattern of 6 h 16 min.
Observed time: 10 h 45 min
